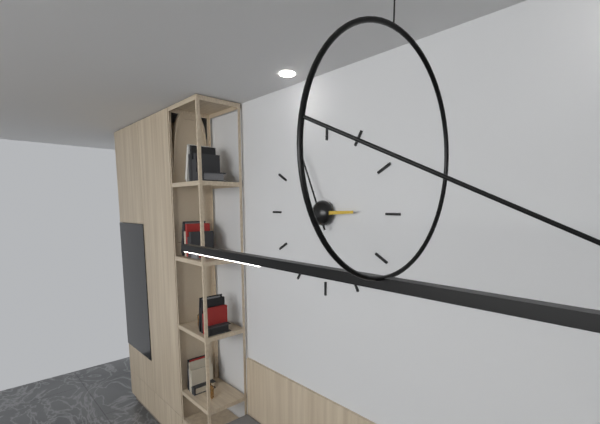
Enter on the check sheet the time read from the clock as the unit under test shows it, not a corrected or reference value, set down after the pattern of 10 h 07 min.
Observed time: 2 h 56 min
